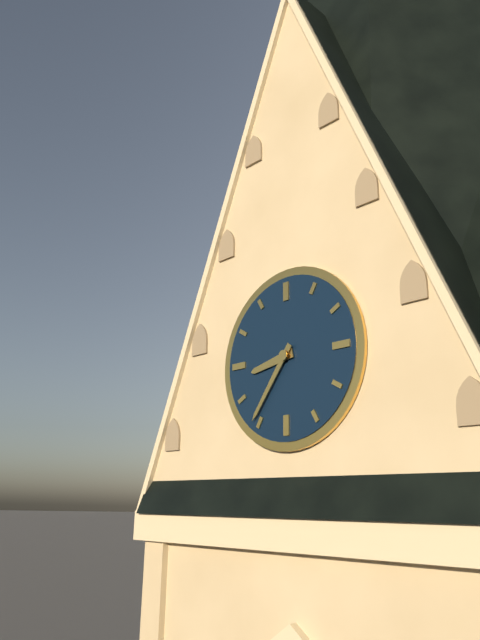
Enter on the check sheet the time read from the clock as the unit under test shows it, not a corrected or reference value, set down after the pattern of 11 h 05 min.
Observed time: 8 h 36 min
